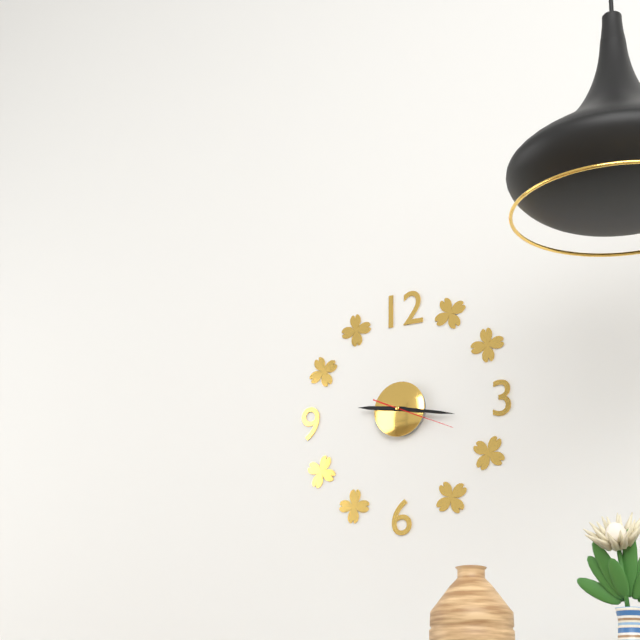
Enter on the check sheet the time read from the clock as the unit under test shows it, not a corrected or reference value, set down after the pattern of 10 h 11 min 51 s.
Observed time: 9 h 17 min 19 s
